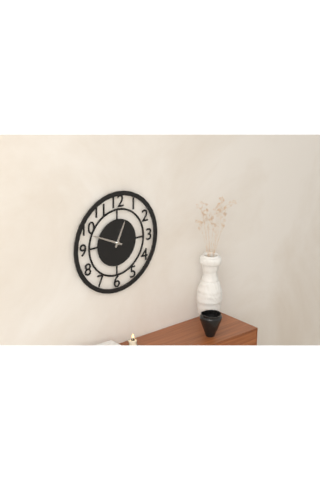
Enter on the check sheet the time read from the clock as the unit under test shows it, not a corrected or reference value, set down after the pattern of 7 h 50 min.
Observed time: 12 h 49 min
